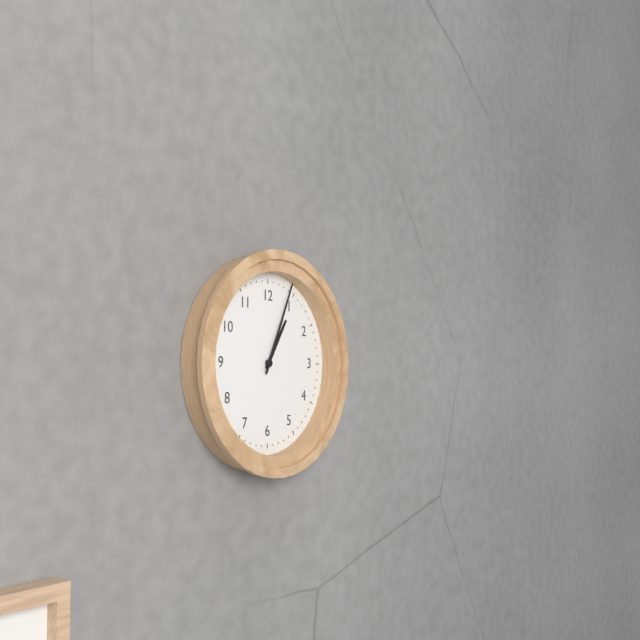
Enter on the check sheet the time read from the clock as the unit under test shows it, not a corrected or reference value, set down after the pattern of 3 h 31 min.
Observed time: 1 h 04 min
